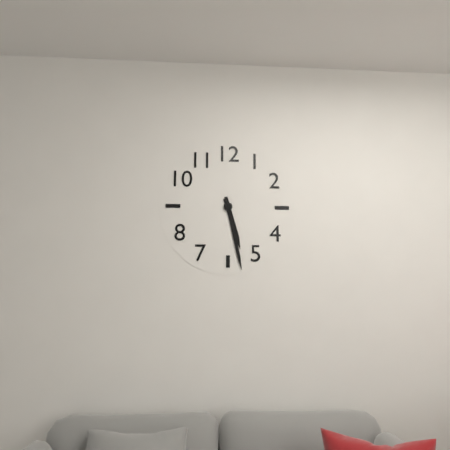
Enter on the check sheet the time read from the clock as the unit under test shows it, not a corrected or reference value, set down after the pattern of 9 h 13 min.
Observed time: 5 h 28 min
